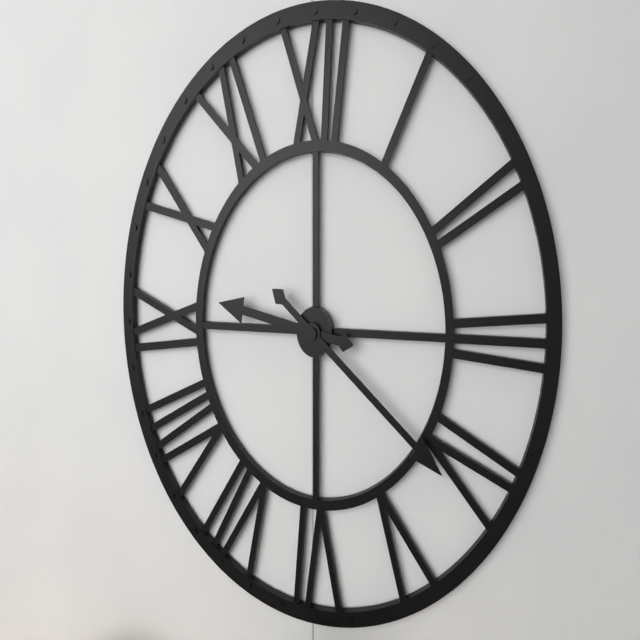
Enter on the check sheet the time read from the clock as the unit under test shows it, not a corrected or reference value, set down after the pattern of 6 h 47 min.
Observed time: 9 h 21 min
